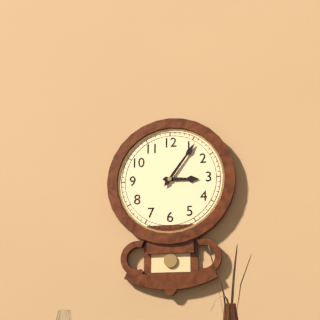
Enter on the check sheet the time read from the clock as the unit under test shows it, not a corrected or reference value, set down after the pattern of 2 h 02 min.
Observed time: 3 h 06 min
